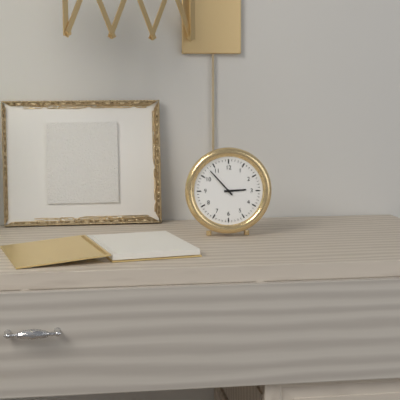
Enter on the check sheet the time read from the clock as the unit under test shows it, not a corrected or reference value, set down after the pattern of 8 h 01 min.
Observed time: 2 h 53 min
